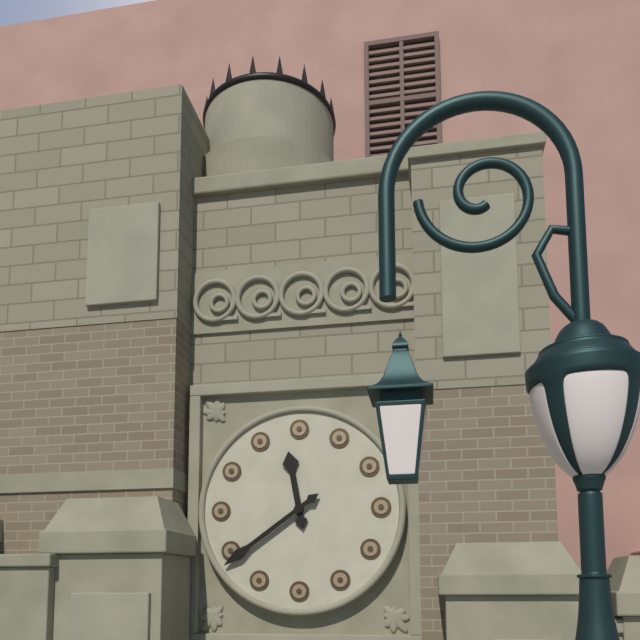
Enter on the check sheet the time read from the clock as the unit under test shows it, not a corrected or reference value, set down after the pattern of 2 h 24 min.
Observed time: 11 h 39 min
